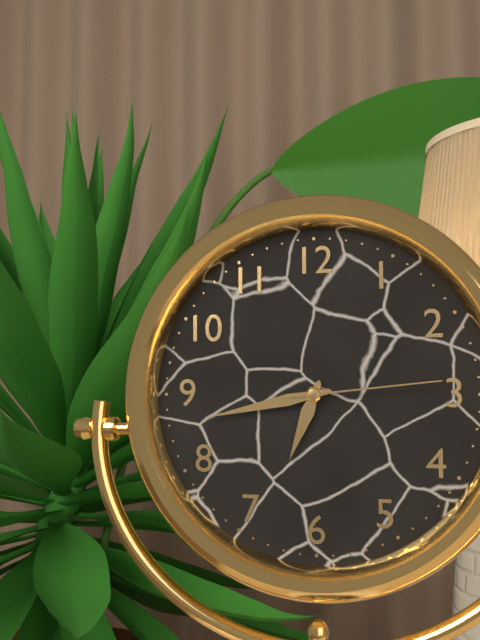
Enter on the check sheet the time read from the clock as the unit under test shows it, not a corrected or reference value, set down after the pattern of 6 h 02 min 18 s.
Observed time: 6 h 43 min 14 s
